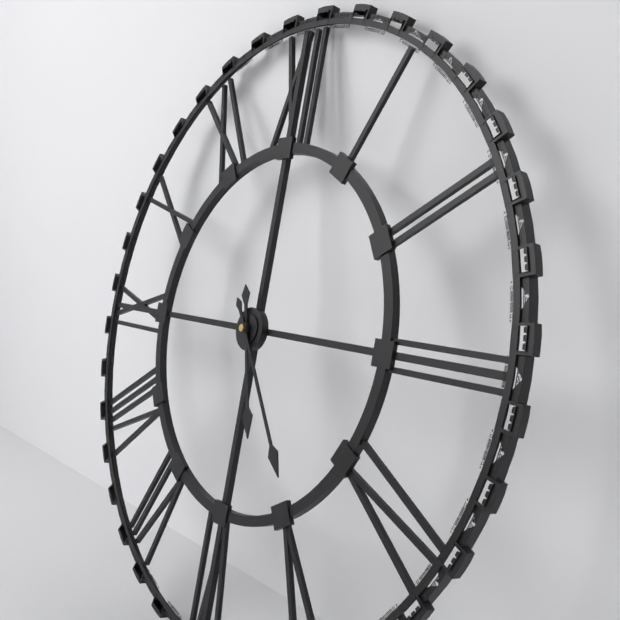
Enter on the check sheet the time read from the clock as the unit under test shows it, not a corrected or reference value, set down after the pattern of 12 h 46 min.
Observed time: 5 h 24 min
